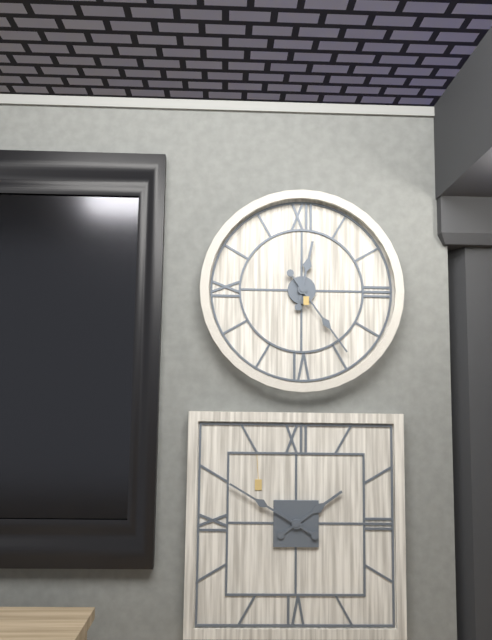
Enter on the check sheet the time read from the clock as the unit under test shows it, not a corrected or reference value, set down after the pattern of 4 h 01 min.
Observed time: 12 h 24 min
